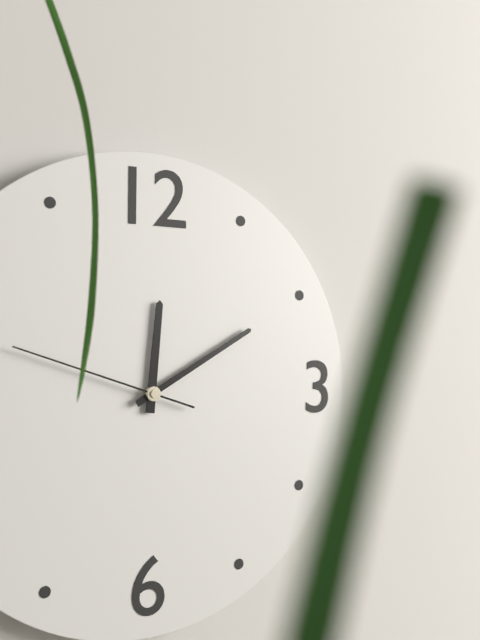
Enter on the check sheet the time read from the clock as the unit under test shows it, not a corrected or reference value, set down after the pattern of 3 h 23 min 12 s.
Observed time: 12 h 10 min 48 s
